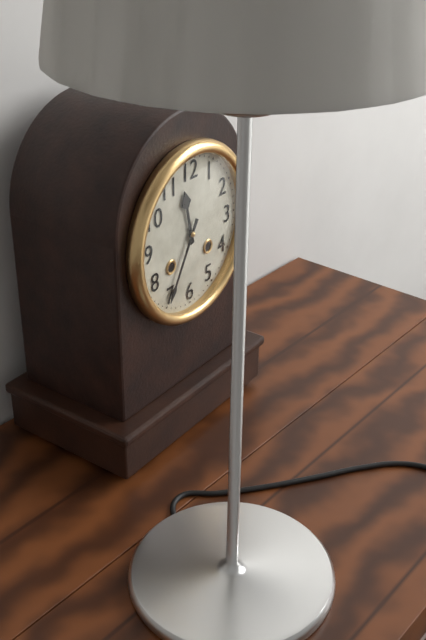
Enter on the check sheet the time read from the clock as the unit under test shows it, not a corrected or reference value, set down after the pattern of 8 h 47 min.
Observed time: 11 h 35 min
